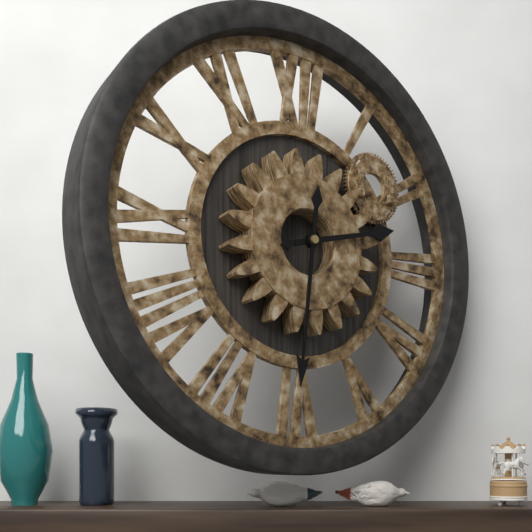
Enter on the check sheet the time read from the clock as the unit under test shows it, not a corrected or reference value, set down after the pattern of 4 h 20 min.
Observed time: 2 h 31 min
